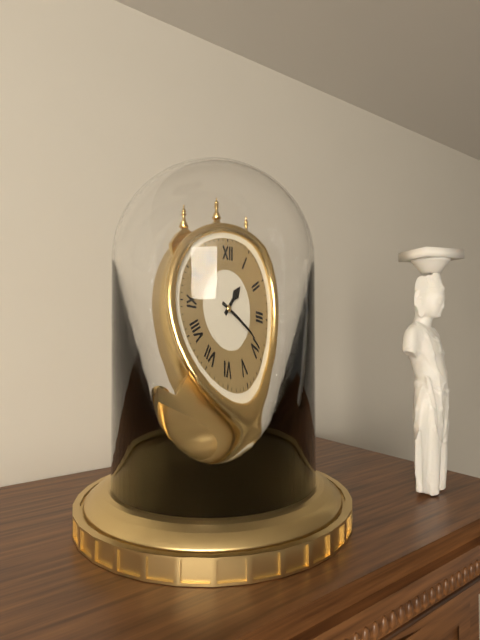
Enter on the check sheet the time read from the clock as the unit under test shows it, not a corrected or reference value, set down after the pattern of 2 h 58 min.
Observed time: 1 h 19 min
